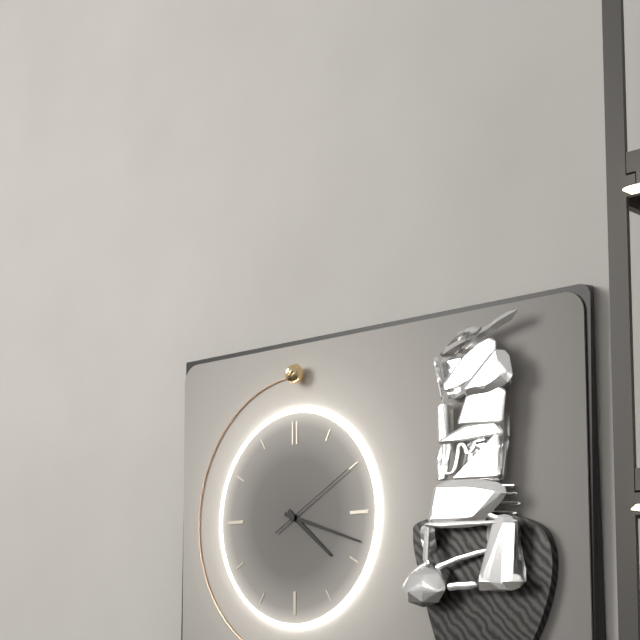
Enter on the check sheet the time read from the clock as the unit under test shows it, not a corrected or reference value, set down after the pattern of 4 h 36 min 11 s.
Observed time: 4 h 18 min 10 s
